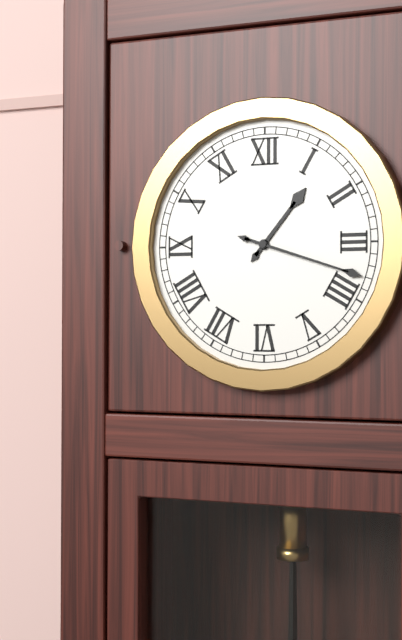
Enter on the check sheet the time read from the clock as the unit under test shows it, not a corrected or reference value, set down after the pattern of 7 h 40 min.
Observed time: 1 h 18 min
